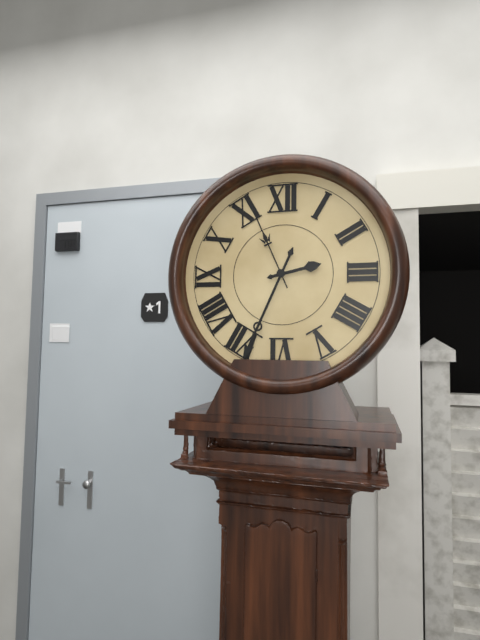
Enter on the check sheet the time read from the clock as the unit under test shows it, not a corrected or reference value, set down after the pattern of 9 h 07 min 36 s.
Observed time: 2 h 34 min 56 s
